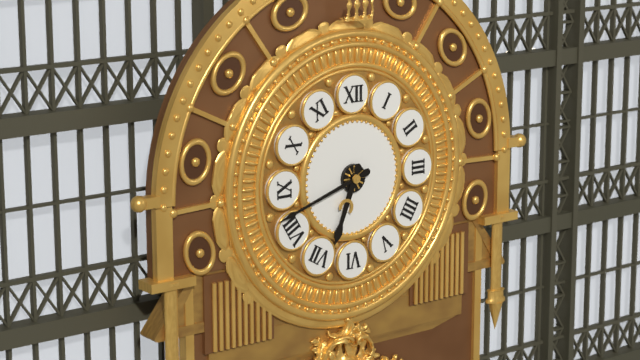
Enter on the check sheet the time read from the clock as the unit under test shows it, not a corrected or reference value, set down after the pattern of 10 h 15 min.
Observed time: 6 h 42 min
